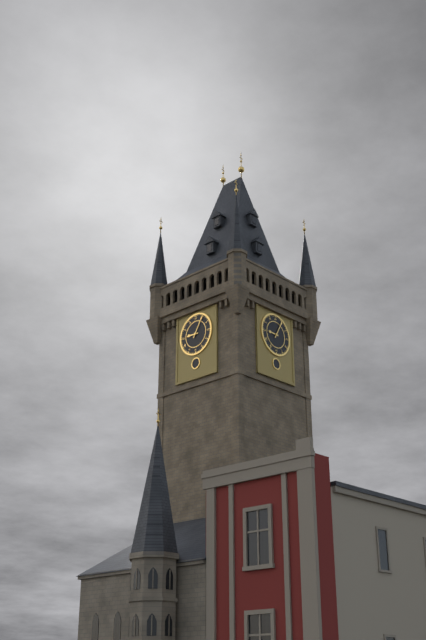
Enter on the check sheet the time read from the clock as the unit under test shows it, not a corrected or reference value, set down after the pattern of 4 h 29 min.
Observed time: 9 h 05 min
